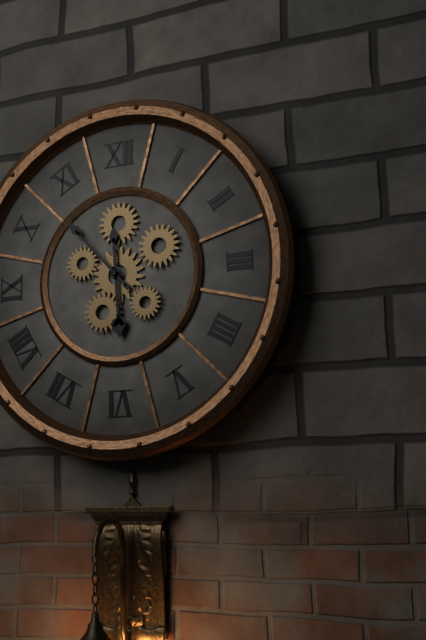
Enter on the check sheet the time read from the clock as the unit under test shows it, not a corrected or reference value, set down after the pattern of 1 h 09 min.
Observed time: 5 h 53 min
